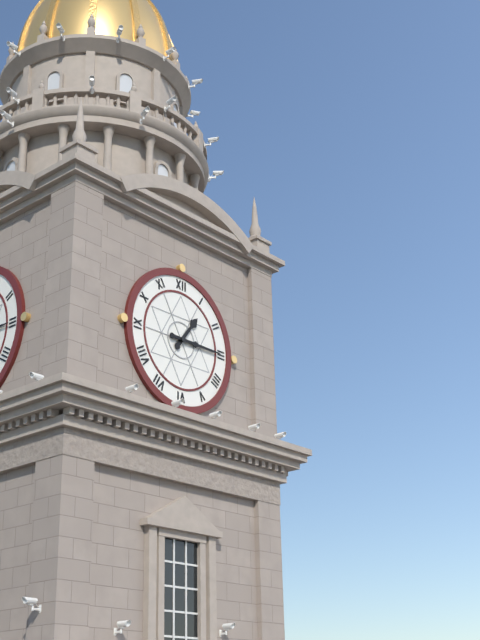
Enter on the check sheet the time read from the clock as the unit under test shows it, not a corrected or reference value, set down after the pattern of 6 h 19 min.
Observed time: 1 h 15 min
